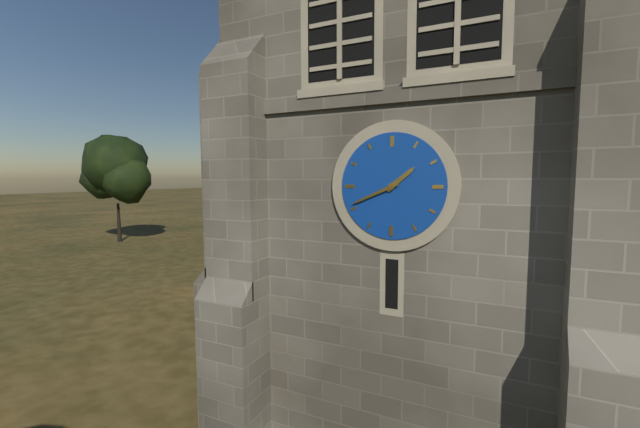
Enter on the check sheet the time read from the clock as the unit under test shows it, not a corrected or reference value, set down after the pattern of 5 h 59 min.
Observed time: 1 h 41 min
